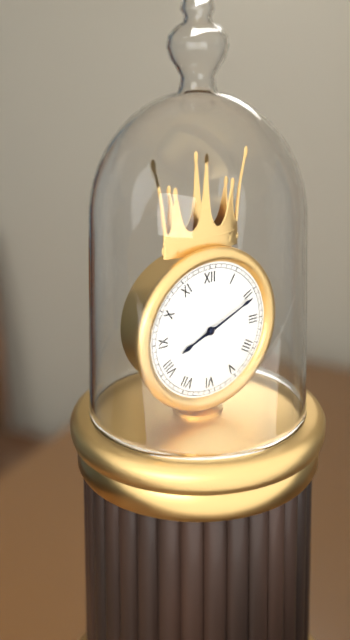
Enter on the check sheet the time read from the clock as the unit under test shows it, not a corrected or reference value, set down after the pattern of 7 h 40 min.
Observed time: 8 h 11 min
